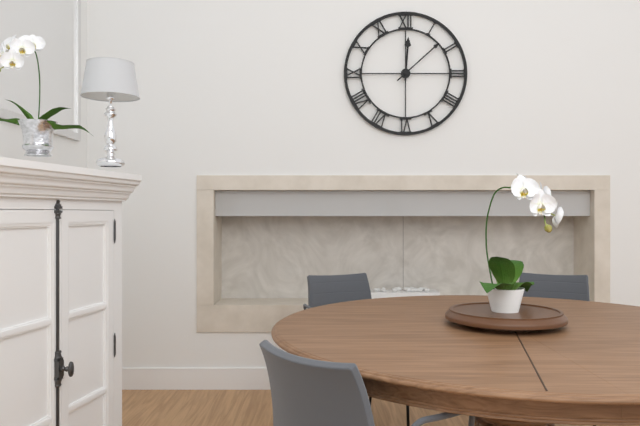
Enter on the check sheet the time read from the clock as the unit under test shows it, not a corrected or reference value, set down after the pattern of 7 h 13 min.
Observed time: 12 h 08 min
